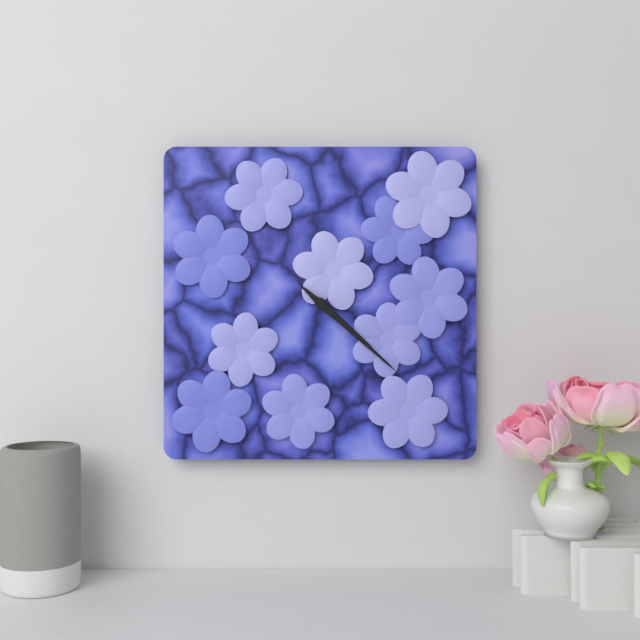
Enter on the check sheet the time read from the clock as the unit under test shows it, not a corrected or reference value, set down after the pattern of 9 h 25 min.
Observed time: 4 h 22 min
